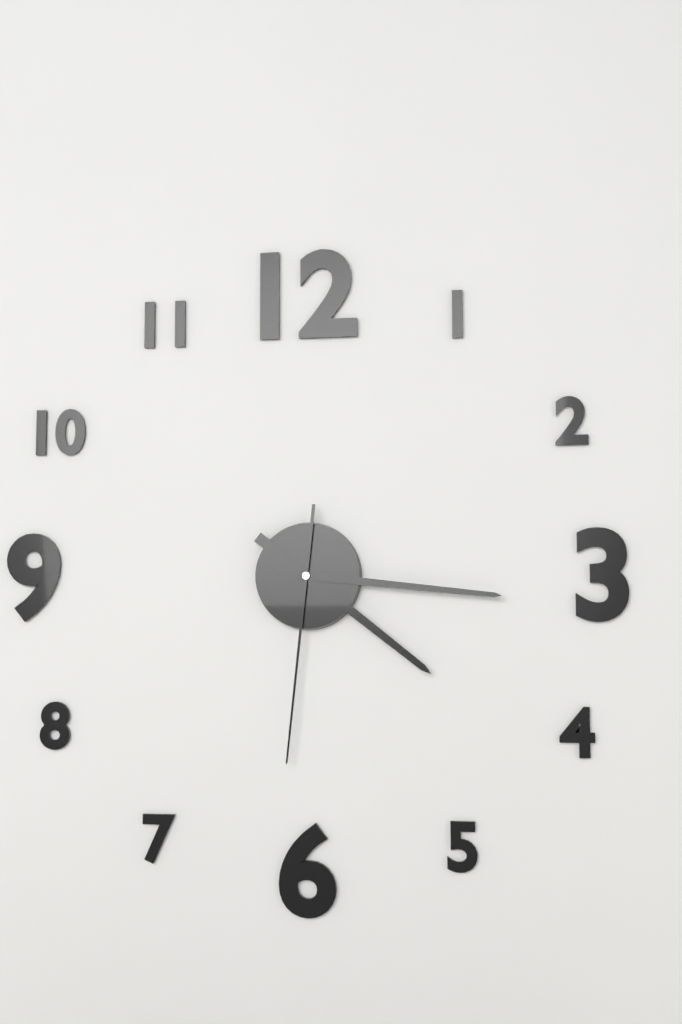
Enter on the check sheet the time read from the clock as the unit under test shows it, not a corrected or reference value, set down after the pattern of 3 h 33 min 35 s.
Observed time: 4 h 16 min 31 s
